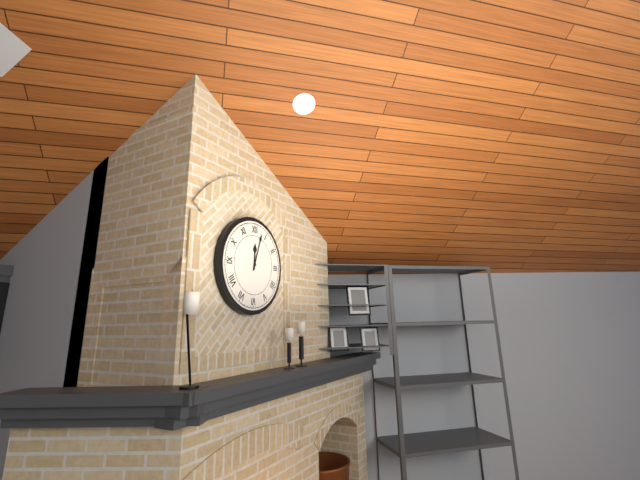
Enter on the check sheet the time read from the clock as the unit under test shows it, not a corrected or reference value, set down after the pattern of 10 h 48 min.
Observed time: 12 h 03 min
